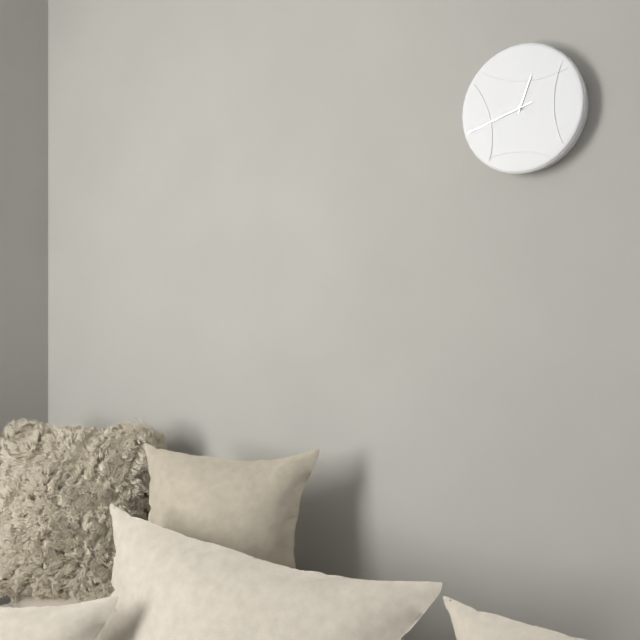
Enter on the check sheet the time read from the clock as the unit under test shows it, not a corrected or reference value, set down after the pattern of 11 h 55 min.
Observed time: 12 h 42 min
